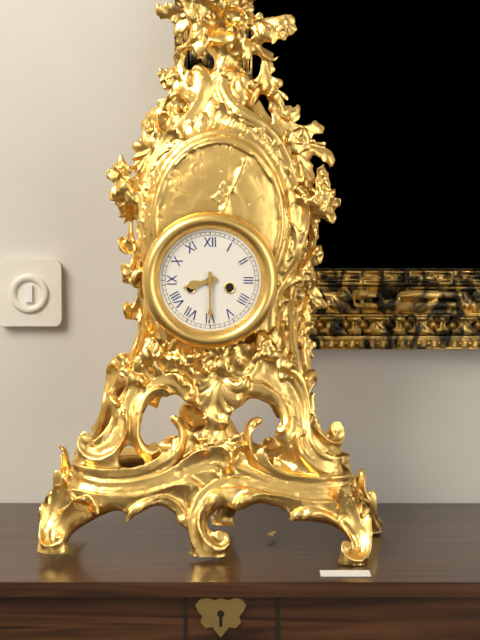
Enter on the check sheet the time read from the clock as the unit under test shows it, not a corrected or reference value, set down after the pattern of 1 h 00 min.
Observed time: 8 h 30 min
